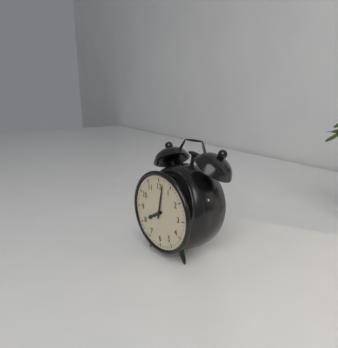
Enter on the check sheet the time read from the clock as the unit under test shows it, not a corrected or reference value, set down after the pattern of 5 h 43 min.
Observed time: 8 h 02 min
